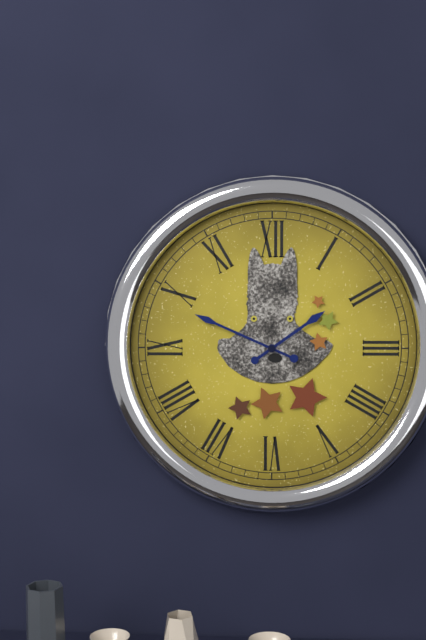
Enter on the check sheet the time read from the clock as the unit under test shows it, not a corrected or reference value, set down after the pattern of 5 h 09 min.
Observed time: 1 h 49 min
